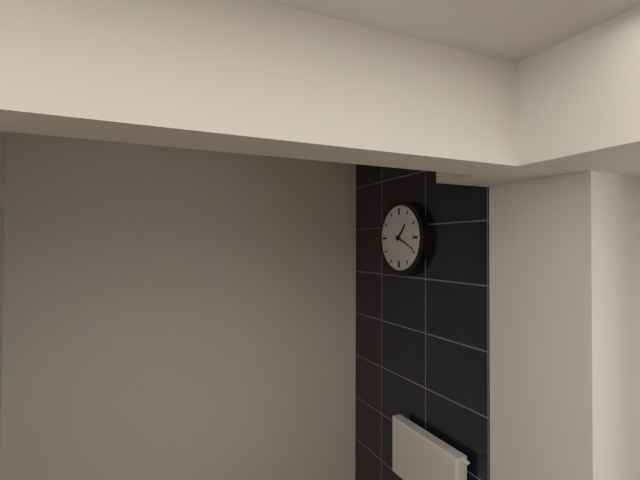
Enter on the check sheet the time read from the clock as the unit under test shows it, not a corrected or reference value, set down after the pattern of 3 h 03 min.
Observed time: 1 h 19 min
